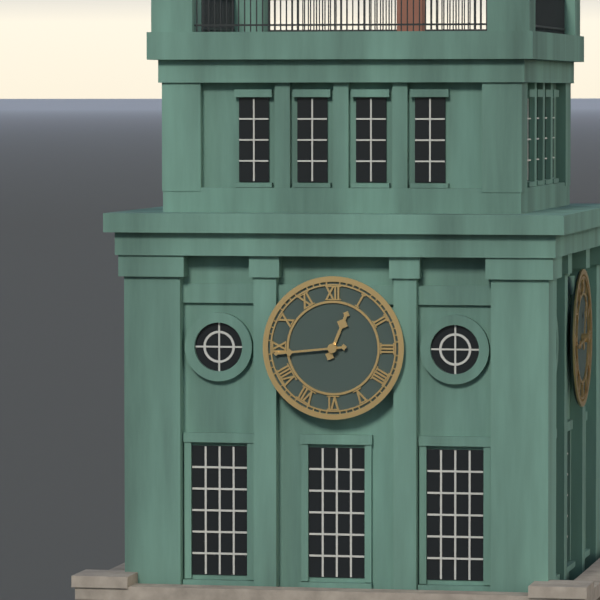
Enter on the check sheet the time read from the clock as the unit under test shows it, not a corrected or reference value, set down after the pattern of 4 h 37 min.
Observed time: 12 h 44 min
